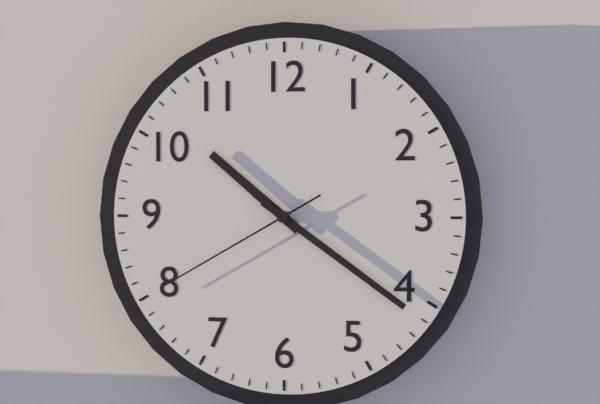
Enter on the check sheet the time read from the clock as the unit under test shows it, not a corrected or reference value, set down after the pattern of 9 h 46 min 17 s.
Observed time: 10 h 21 min 40 s
